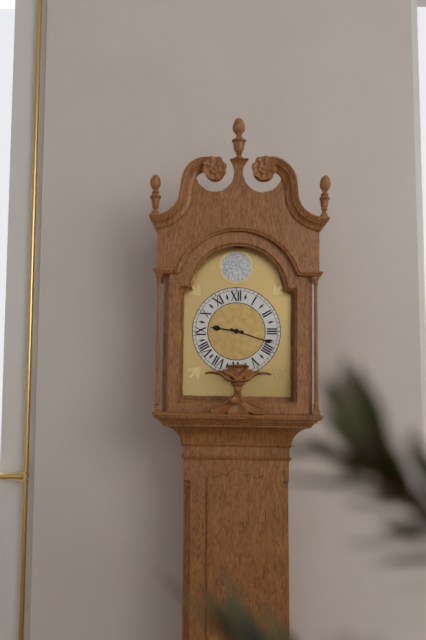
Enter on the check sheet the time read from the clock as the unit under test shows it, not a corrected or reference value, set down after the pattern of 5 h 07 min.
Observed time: 9 h 18 min
